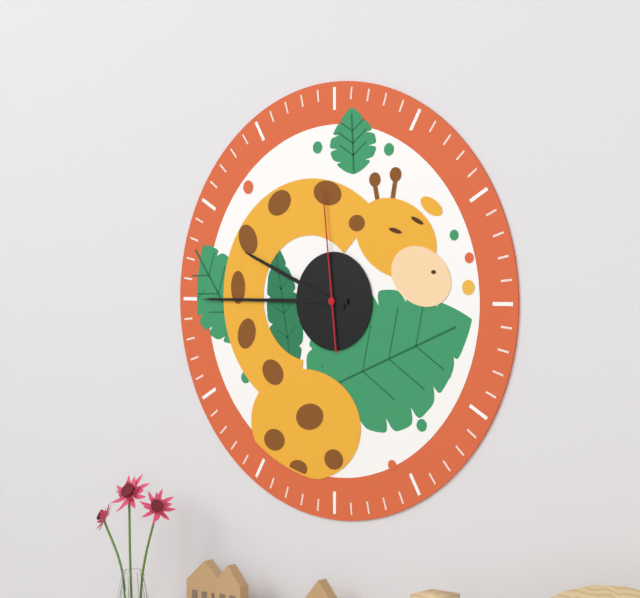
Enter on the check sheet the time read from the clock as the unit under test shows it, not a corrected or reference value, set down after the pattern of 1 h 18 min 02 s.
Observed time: 9 h 45 min 59 s
